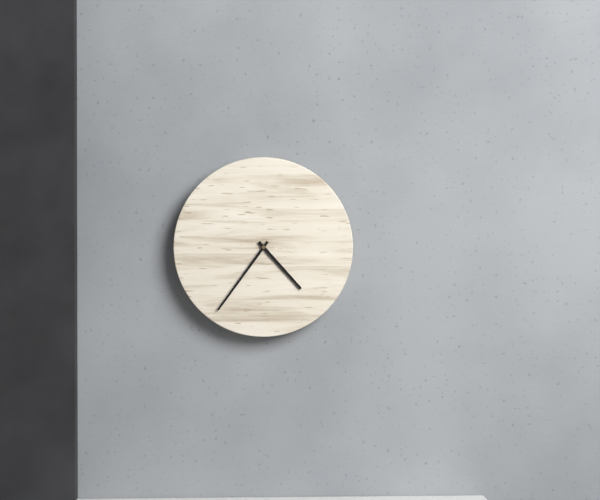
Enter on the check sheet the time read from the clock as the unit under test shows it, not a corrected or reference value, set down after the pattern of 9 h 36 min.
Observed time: 4 h 36 min
